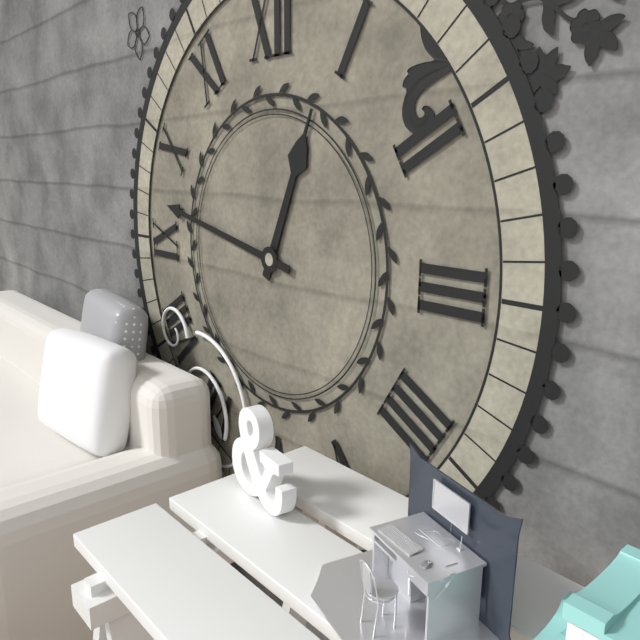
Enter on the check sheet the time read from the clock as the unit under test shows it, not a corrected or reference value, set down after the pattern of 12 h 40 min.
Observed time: 12 h 47 min
